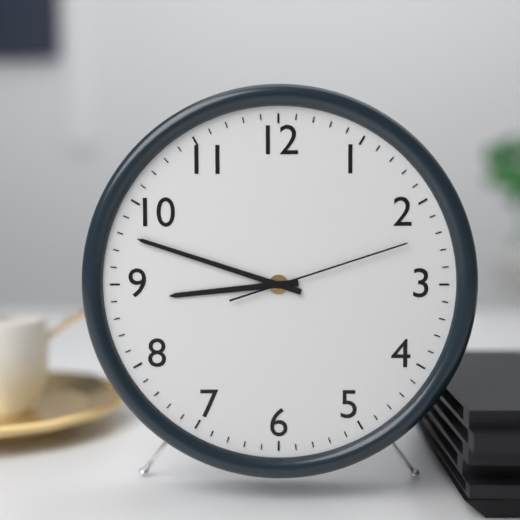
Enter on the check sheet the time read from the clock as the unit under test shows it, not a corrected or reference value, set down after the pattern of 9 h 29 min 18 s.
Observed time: 8 h 48 min 12 s
